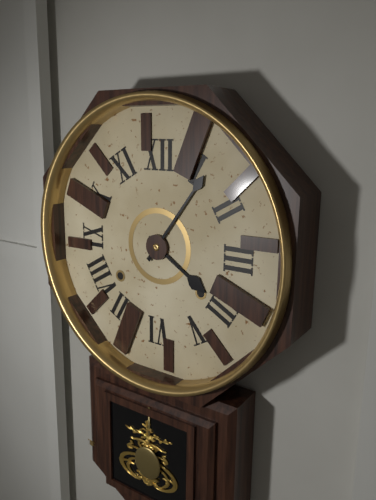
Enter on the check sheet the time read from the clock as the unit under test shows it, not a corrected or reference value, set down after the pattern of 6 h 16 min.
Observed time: 4 h 06 min
